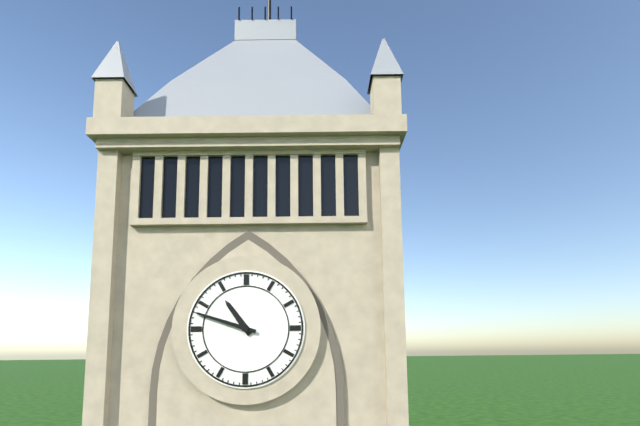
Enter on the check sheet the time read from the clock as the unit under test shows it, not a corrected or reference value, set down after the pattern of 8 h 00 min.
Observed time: 10 h 48 min
